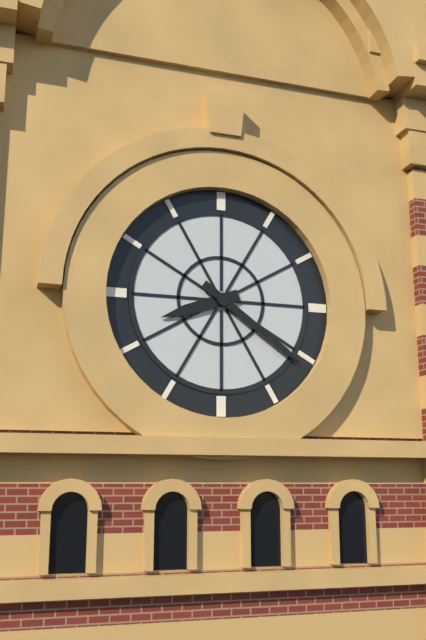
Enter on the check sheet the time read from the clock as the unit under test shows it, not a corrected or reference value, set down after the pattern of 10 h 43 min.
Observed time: 8 h 21 min
